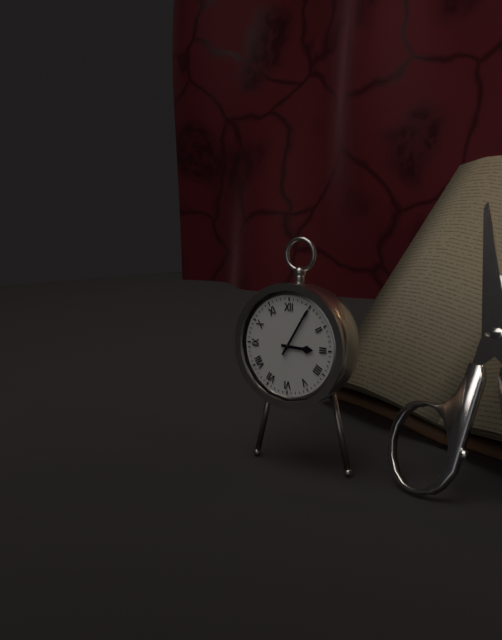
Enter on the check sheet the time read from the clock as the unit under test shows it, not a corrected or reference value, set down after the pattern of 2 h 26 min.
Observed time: 3 h 05 min
